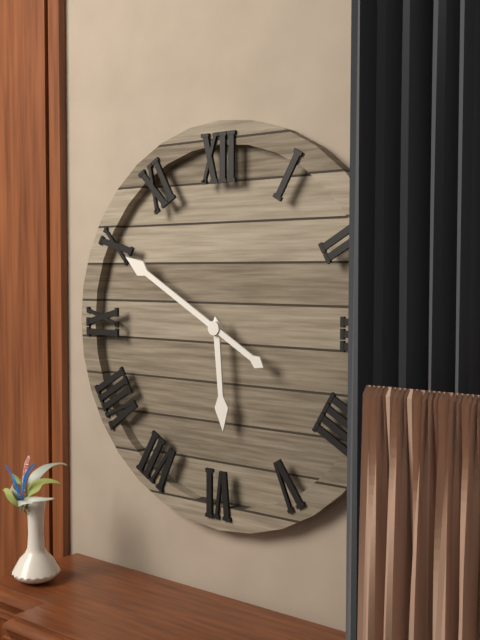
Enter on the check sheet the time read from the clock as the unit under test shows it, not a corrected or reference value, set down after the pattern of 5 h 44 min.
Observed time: 5 h 50 min
